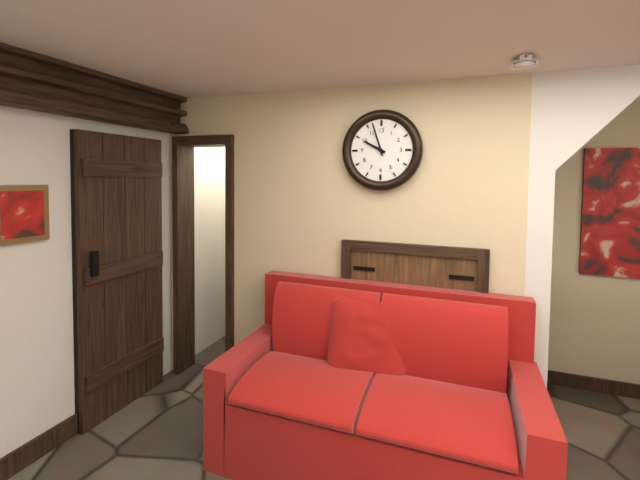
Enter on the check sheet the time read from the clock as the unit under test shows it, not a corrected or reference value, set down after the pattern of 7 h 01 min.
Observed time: 9 h 57 min
